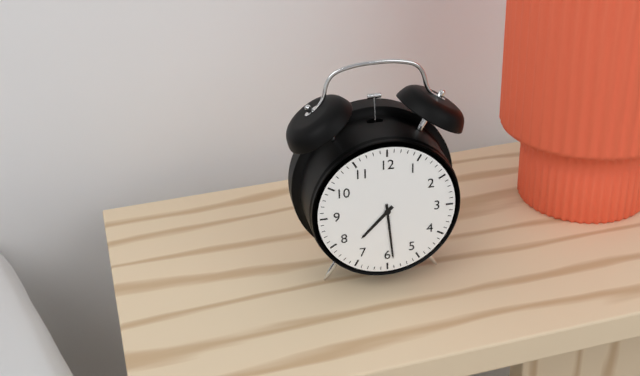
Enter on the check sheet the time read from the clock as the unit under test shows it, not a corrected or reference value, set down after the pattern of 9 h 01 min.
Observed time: 7 h 29 min
